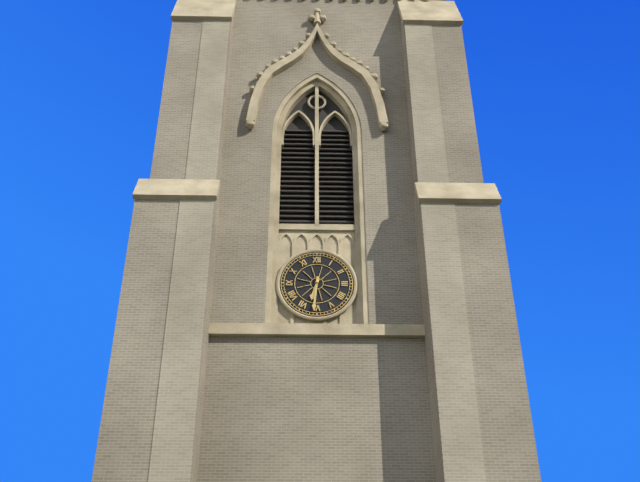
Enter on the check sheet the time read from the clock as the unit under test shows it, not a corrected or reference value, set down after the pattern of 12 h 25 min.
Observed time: 6 h 31 min
